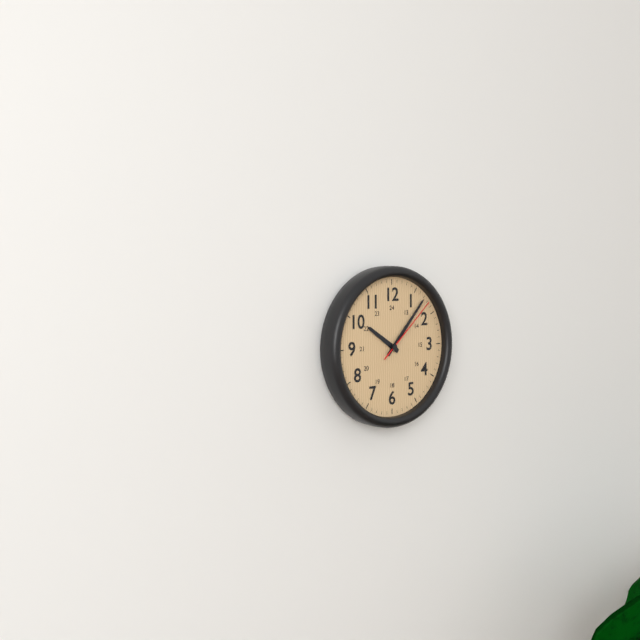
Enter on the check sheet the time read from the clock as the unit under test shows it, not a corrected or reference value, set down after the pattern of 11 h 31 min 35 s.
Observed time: 10 h 07 min 08 s
